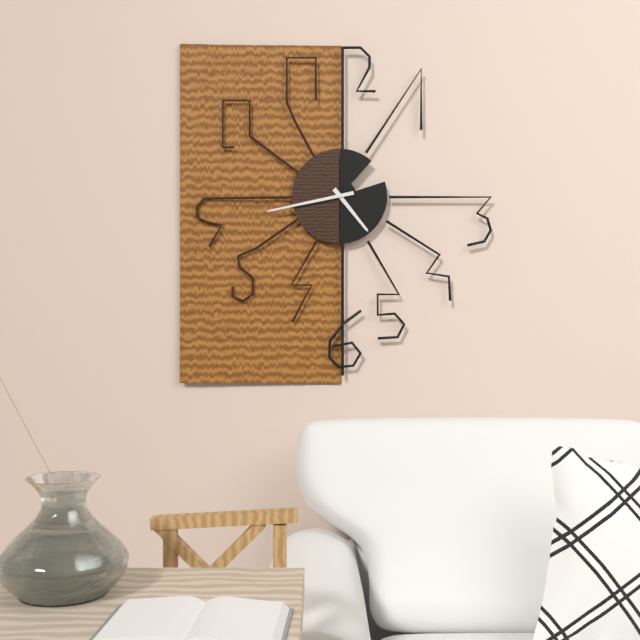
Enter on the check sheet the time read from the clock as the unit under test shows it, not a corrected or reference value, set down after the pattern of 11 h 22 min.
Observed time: 4 h 43 min
